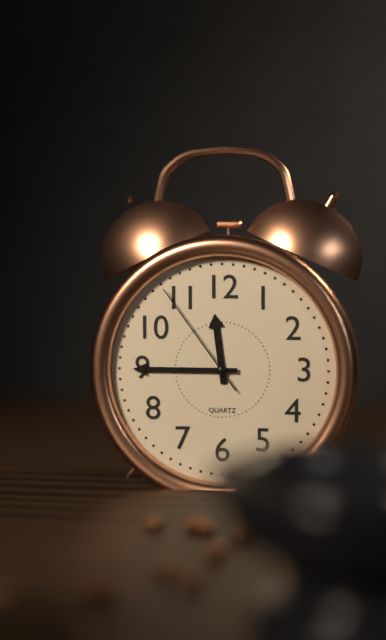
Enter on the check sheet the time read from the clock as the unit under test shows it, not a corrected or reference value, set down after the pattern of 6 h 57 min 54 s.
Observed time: 11 h 45 min 54 s
